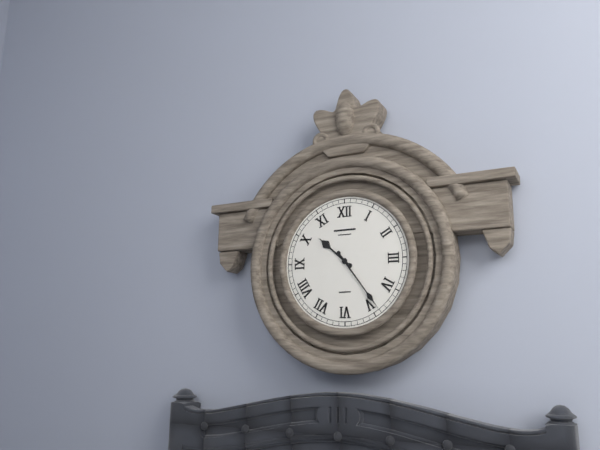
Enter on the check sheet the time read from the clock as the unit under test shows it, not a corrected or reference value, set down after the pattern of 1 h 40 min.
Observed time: 10 h 24 min
